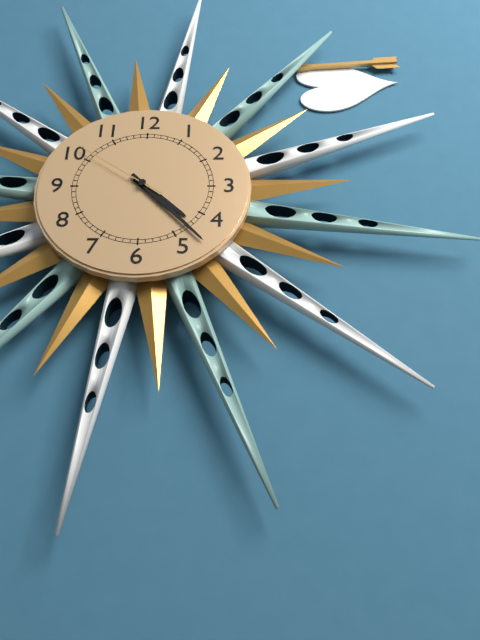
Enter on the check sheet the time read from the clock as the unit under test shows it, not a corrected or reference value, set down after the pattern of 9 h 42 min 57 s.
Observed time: 4 h 23 min 51 s
